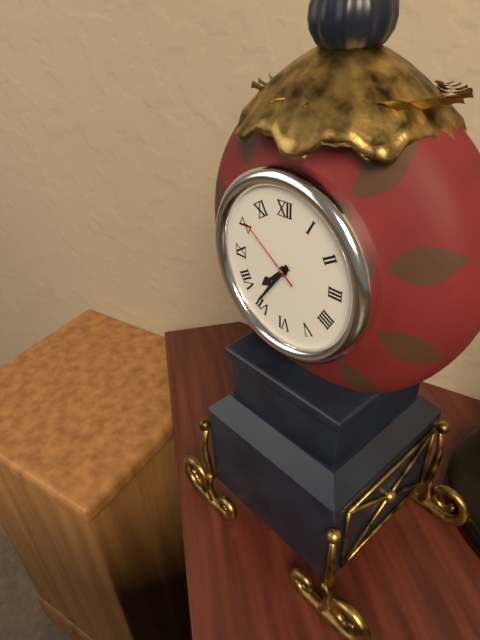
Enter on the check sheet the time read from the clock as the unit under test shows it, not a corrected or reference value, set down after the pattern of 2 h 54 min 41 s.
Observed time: 7 h 36 min 51 s
